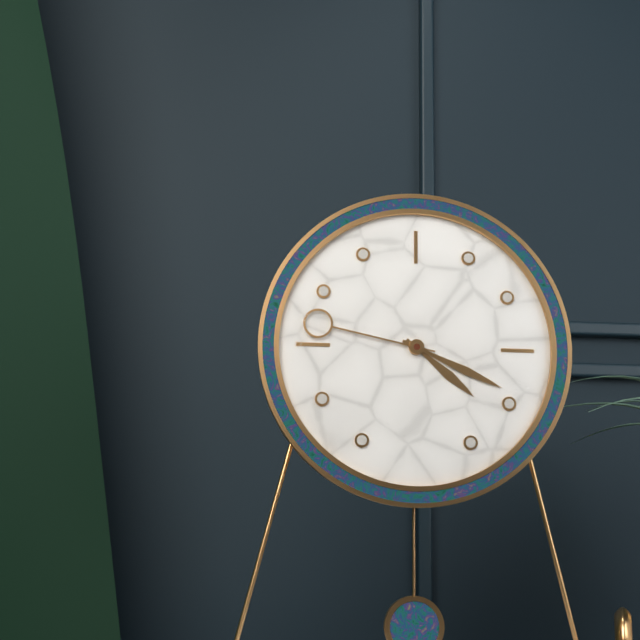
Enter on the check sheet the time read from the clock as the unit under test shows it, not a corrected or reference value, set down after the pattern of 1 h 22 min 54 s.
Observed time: 4 h 19 min 47 s
